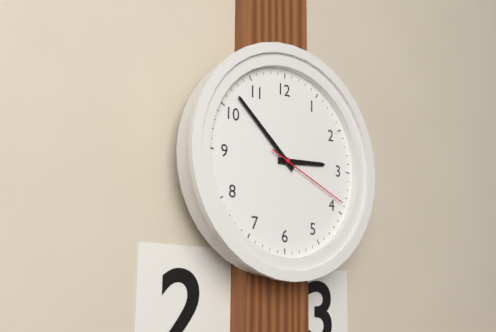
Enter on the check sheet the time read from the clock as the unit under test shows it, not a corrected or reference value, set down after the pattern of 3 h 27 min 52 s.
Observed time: 2 h 52 min 19 s
